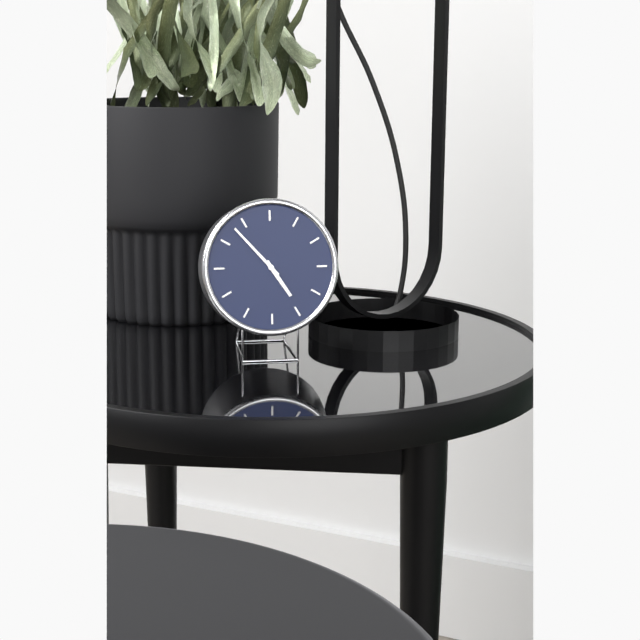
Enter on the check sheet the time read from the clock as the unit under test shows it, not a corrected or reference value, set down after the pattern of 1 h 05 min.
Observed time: 4 h 53 min
